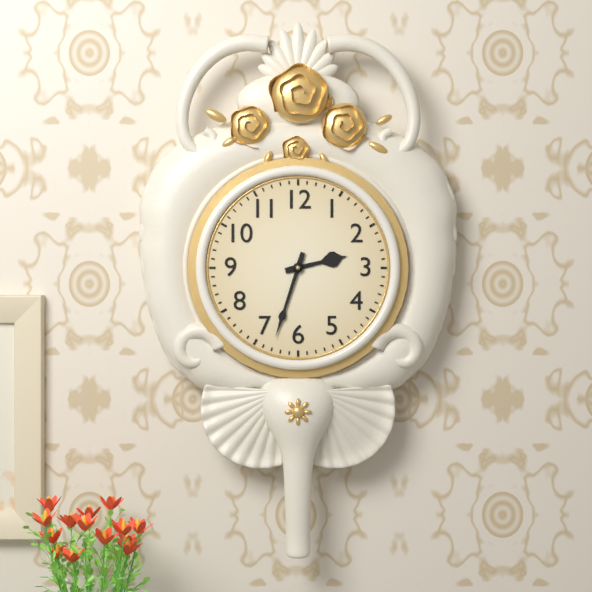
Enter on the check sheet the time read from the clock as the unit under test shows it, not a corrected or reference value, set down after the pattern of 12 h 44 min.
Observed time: 2 h 33 min
